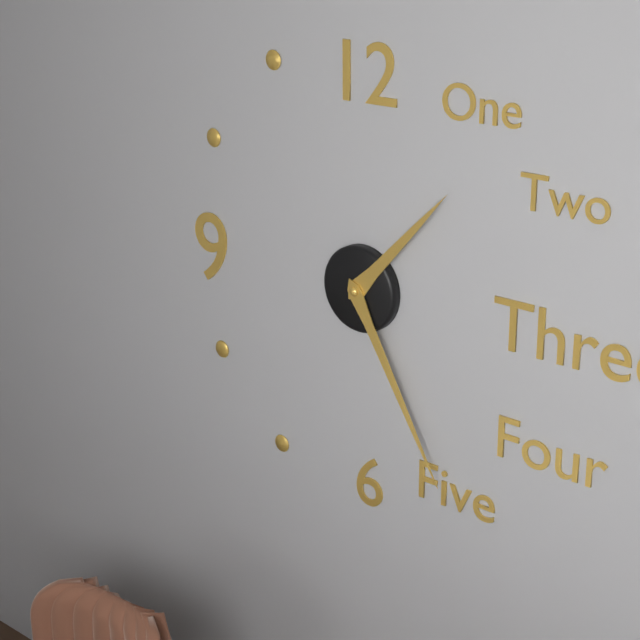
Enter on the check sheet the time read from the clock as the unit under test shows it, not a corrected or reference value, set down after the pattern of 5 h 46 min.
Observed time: 1 h 25 min
